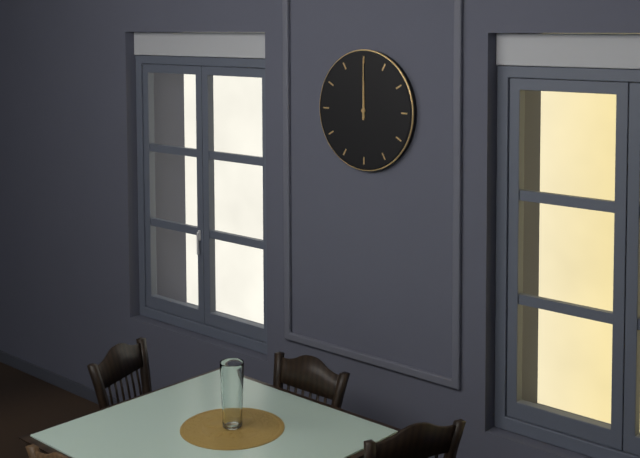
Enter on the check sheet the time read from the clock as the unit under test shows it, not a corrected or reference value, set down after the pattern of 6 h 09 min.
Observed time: 12 h 00 min
